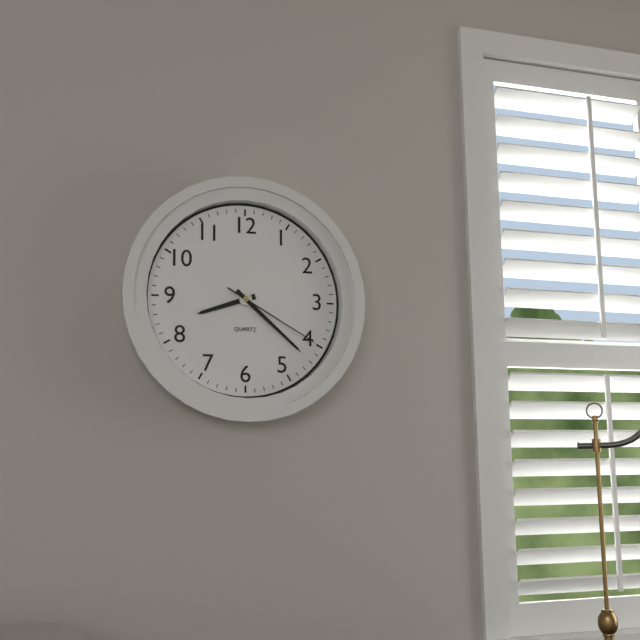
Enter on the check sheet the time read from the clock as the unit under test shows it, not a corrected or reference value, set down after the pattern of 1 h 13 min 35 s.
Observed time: 8 h 22 min 20 s
